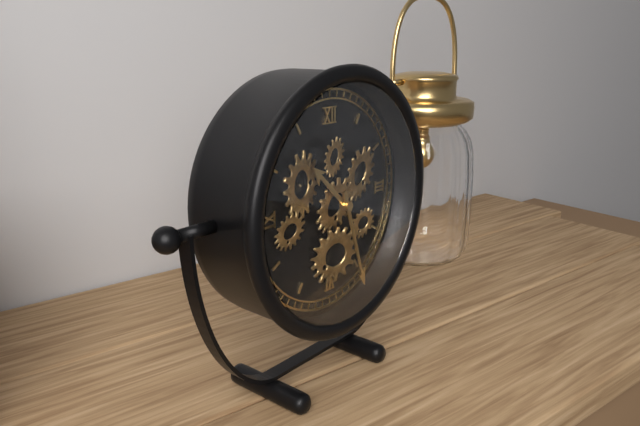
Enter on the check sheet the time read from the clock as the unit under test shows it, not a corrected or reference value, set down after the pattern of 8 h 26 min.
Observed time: 10 h 27 min
